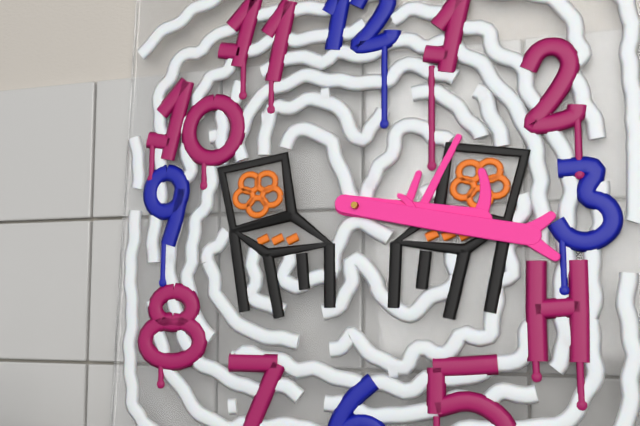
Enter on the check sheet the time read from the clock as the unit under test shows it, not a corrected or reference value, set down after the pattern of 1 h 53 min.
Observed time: 3 h 17 min
